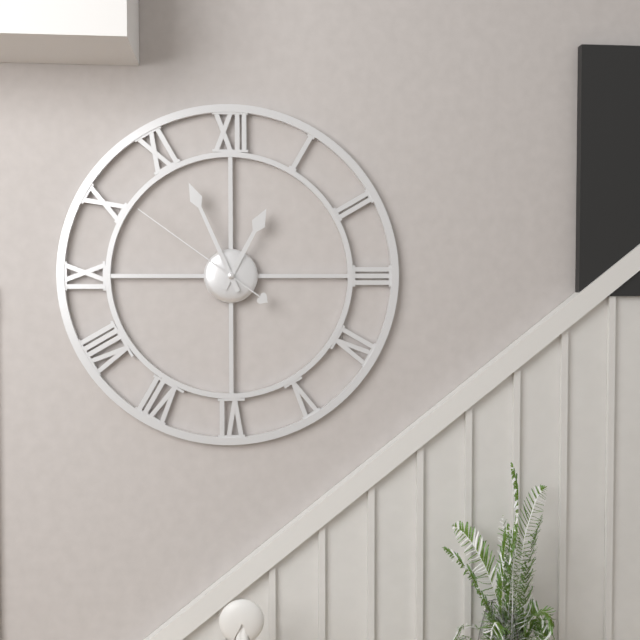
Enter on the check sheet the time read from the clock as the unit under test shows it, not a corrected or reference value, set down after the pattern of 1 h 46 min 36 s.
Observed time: 12 h 56 min 51 s
